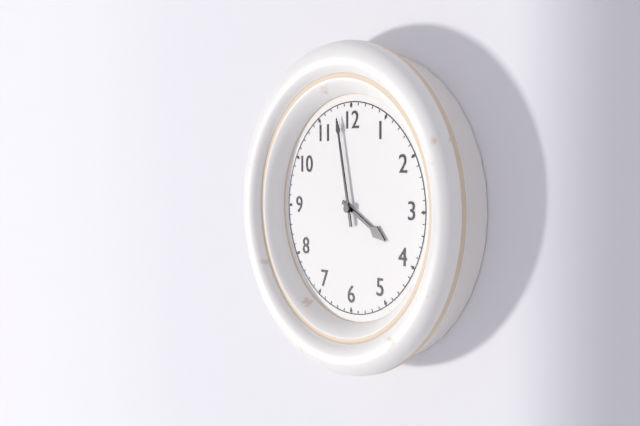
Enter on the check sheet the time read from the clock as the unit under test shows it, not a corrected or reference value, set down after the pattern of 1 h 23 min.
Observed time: 3 h 58 min
